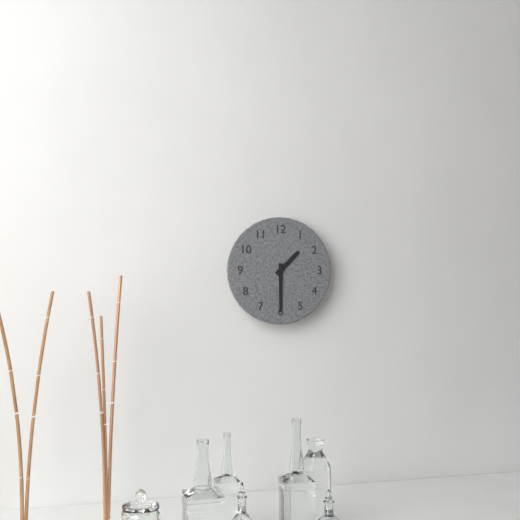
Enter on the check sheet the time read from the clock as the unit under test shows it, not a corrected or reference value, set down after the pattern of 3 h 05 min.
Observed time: 1 h 30 min
